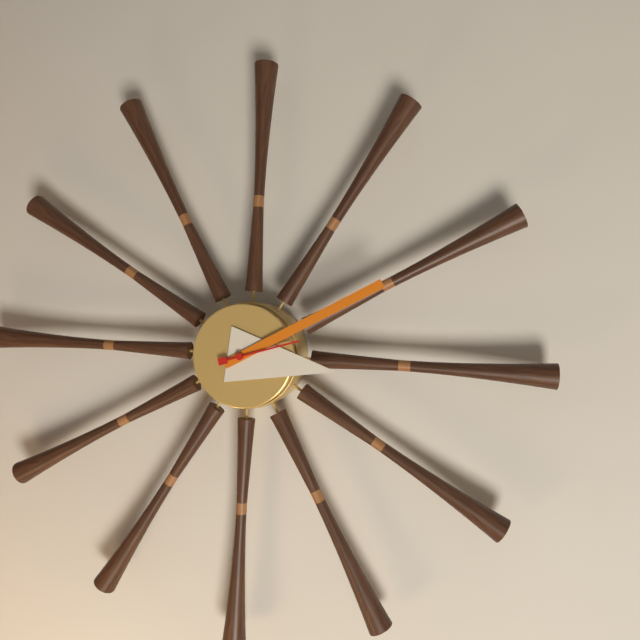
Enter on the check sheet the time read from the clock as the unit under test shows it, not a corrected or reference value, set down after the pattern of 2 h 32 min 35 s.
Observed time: 3 h 10 min 12 s
